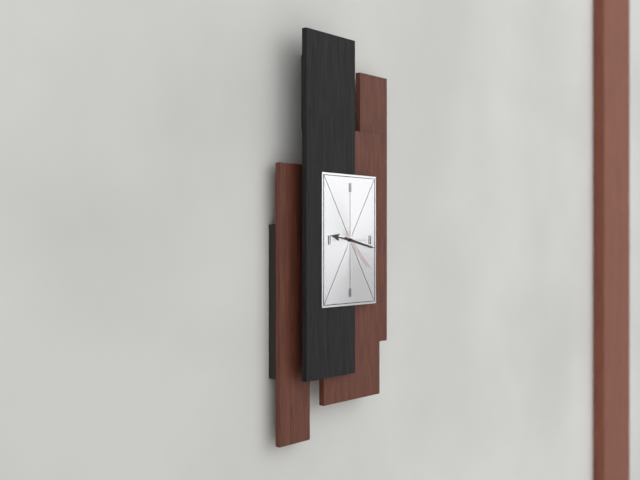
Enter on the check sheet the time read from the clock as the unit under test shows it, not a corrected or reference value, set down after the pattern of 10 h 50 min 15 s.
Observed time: 9 h 17 min 22 s
